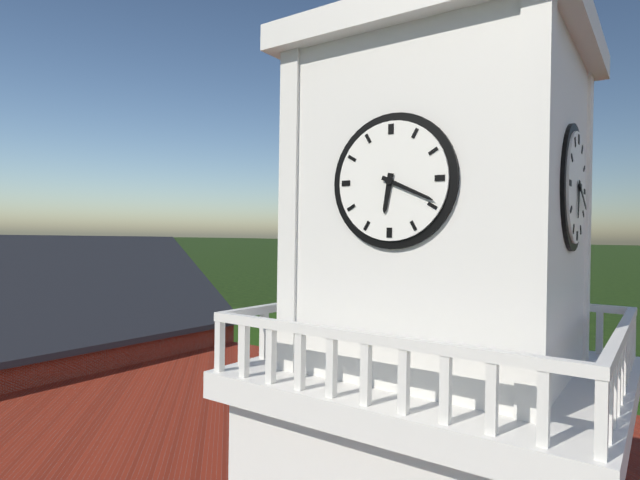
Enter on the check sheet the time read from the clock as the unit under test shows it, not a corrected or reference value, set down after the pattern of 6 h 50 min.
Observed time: 6 h 19 min
